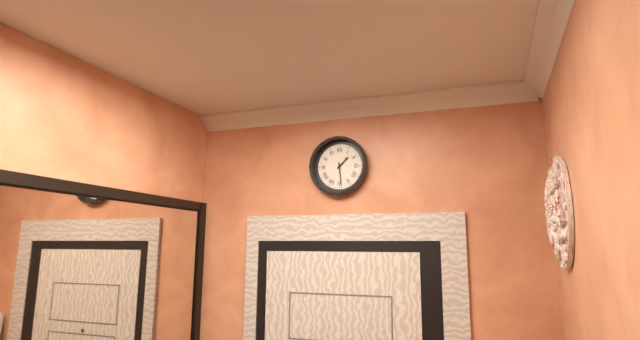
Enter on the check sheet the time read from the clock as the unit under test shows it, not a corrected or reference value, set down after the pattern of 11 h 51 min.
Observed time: 1 h 29 min
